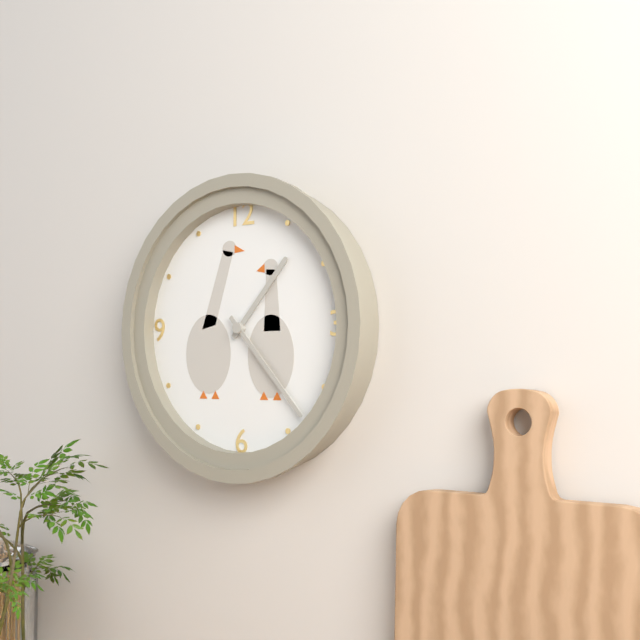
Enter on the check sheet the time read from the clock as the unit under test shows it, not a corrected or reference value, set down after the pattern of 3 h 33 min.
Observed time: 1 h 23 min
